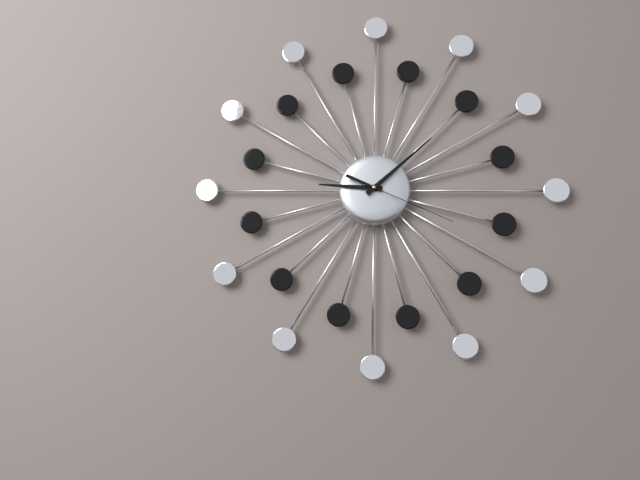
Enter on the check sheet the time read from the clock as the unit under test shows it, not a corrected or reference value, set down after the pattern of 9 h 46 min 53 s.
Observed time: 9 h 08 min 19 s
